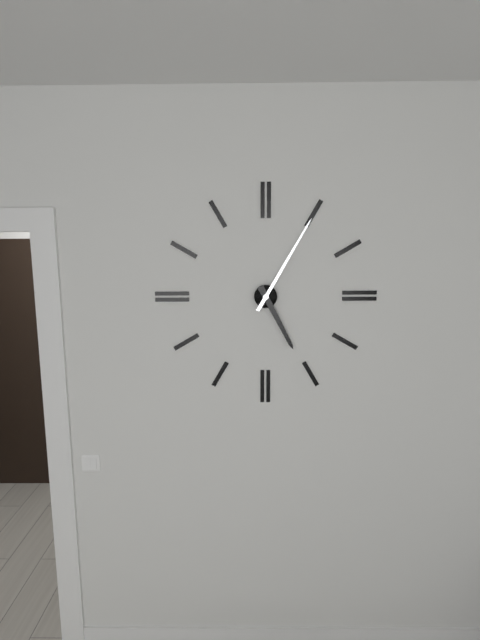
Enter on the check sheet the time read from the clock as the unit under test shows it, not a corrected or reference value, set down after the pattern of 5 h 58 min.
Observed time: 5 h 05 min
